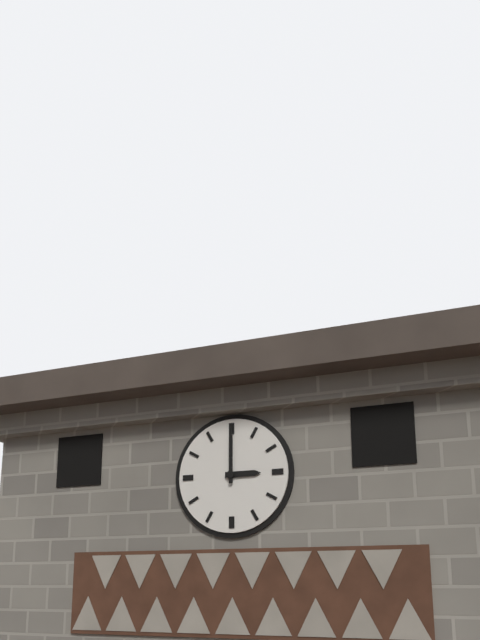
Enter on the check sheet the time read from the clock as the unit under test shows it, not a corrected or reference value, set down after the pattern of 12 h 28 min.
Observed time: 3 h 00 min
